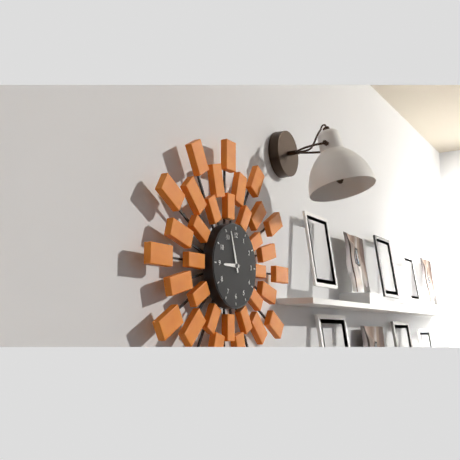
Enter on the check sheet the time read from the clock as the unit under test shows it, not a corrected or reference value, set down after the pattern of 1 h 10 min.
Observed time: 8 h 57 min
